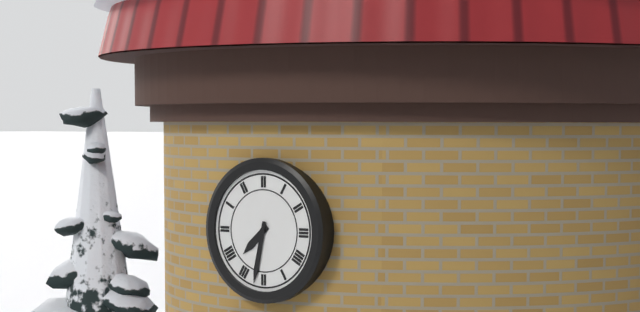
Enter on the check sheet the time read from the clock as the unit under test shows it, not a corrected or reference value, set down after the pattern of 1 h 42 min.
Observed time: 7 h 32 min
